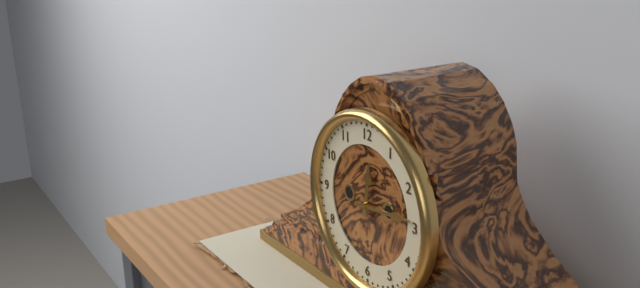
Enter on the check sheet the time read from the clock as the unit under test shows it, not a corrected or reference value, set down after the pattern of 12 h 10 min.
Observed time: 12 h 14 min
